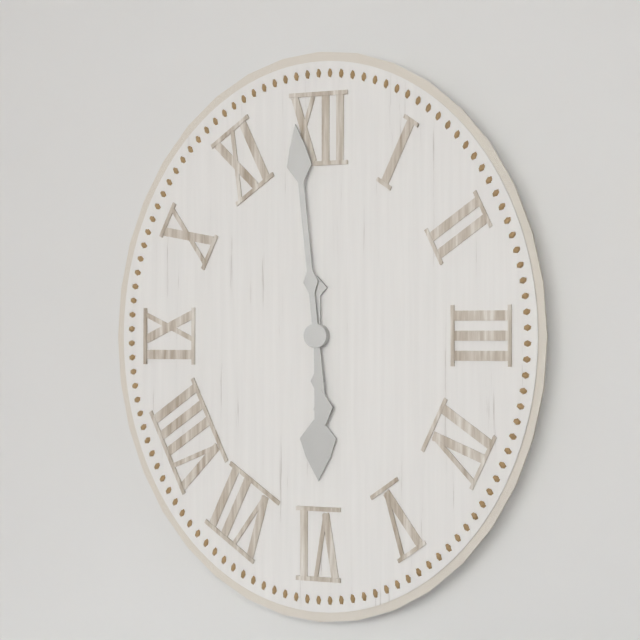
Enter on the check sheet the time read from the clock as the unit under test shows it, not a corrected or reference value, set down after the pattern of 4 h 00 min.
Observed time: 5 h 59 min
